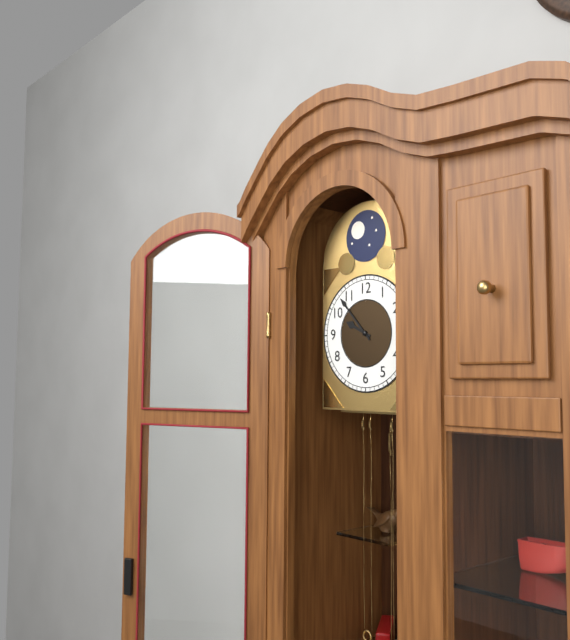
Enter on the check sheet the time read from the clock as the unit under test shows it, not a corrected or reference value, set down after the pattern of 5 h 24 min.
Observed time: 9 h 53 min
